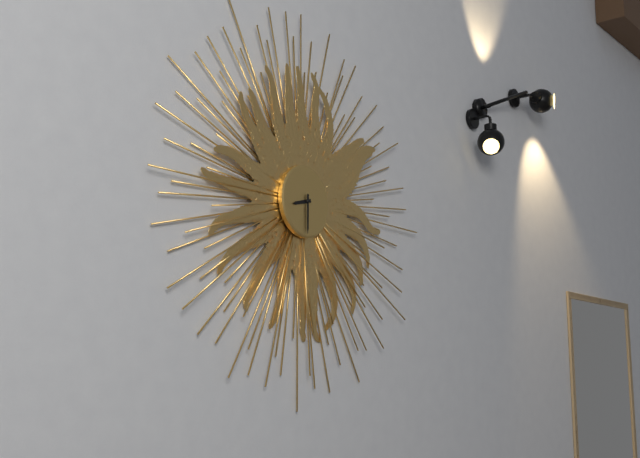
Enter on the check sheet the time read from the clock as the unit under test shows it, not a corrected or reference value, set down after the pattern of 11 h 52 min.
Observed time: 8 h 30 min
